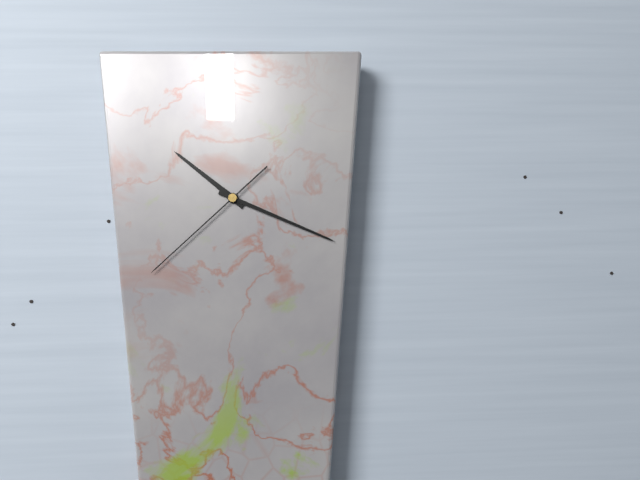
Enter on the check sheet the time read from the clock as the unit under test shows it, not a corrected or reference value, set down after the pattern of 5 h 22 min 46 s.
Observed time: 10 h 19 min 38 s
